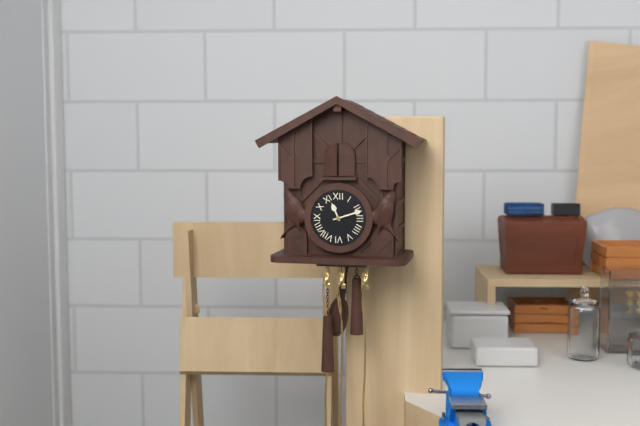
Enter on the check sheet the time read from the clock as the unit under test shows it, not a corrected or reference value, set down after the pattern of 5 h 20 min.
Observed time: 11 h 12 min
